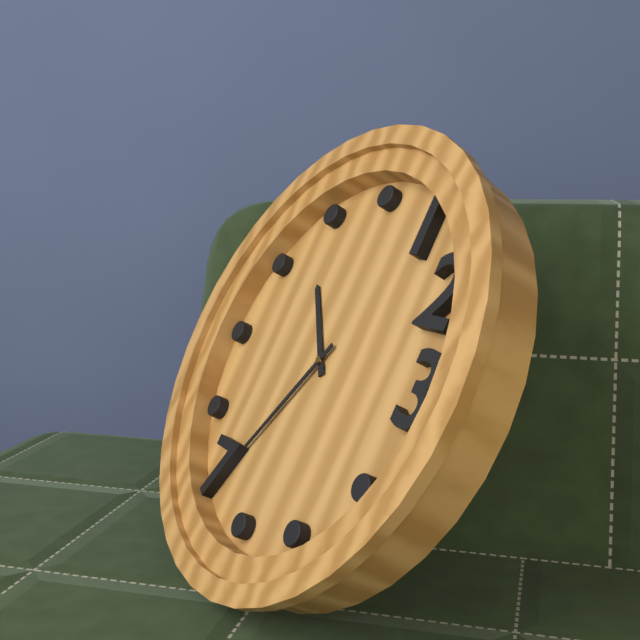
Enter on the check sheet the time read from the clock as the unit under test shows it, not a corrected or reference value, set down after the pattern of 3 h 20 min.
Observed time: 10 h 35 min
